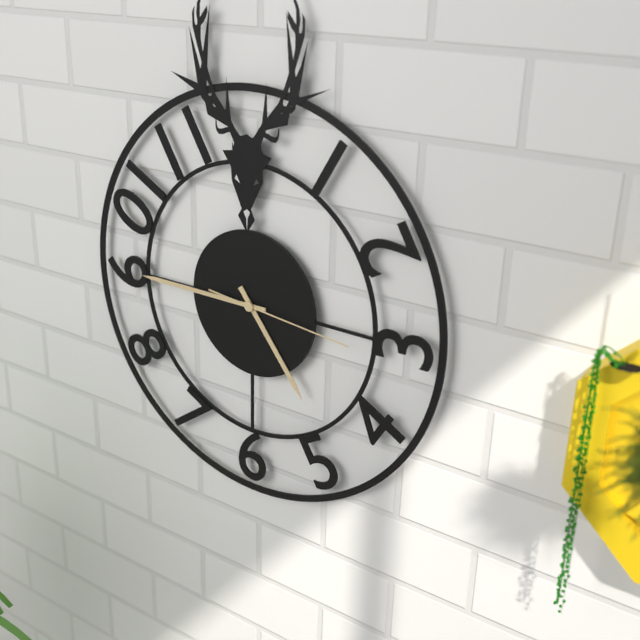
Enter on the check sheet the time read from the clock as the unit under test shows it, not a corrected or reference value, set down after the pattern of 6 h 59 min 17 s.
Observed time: 4 h 45 min 16 s
